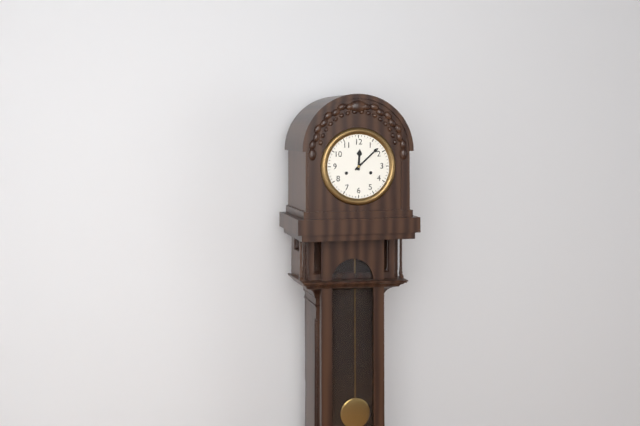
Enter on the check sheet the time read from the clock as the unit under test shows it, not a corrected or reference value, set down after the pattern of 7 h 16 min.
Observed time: 12 h 08 min
